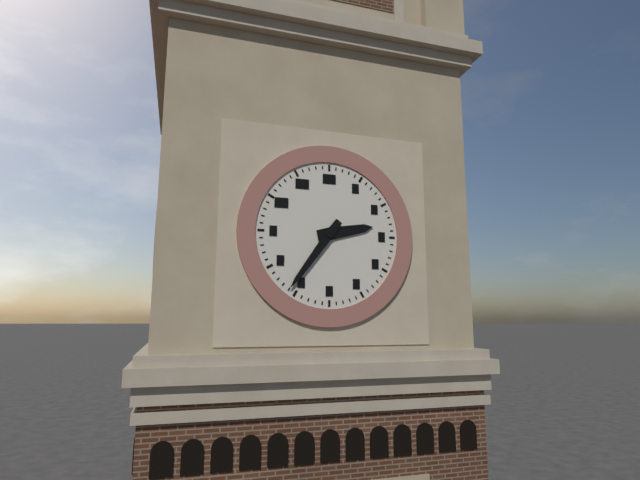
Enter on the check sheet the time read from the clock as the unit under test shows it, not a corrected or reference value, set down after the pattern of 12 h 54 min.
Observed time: 2 h 36 min
